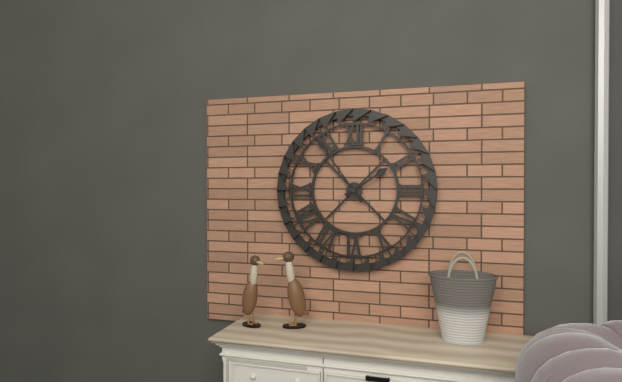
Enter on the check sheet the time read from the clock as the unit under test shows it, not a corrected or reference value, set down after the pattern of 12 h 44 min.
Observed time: 1 h 54 min
